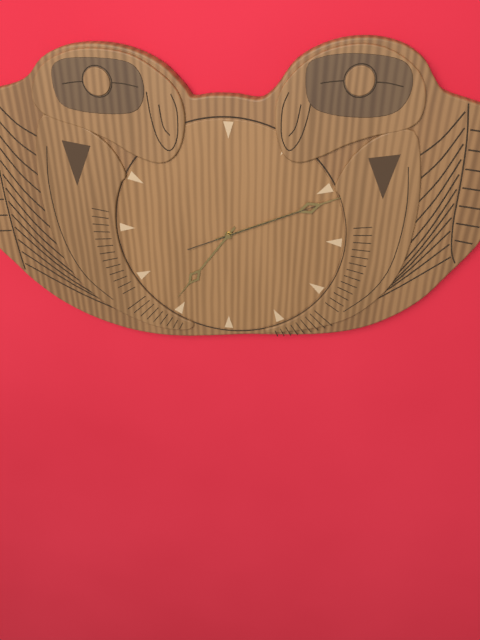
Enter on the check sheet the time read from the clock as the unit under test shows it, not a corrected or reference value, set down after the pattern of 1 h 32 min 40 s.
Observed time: 7 h 11 min 11 s
